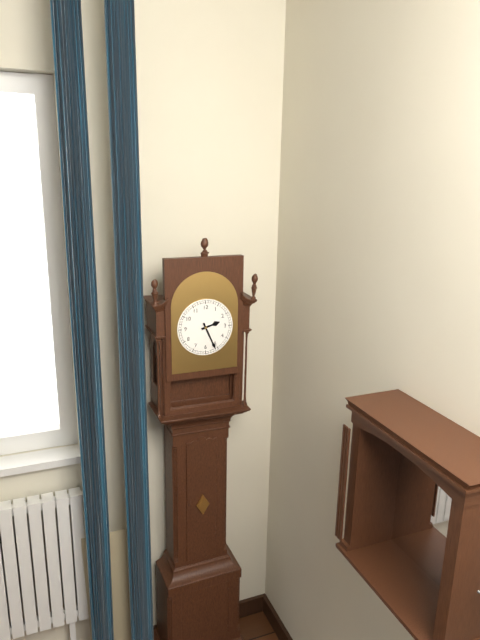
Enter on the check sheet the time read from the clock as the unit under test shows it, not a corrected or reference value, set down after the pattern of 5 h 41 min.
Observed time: 2 h 26 min
